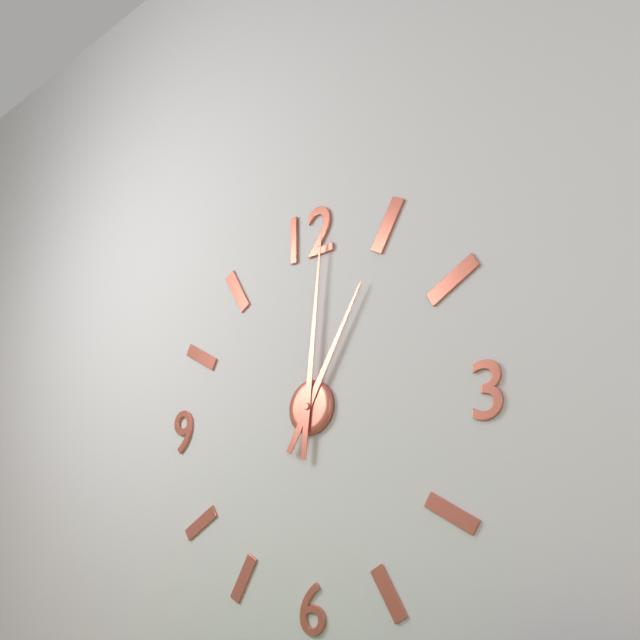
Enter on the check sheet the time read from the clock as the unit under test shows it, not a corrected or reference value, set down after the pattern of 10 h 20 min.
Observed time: 1 h 01 min
